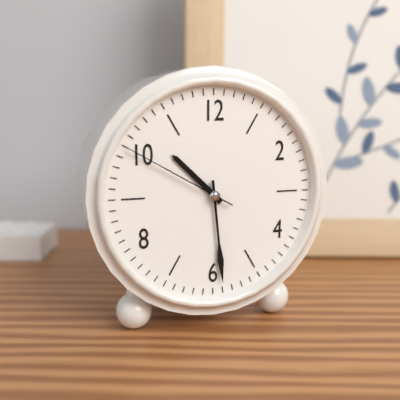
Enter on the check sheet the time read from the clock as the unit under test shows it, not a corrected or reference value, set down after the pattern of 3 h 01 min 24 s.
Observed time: 10 h 29 min 50 s
